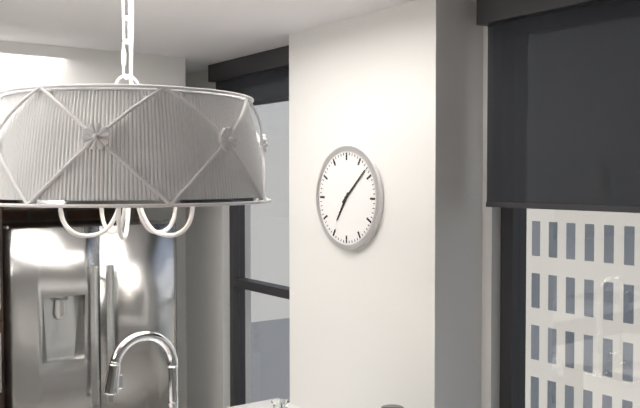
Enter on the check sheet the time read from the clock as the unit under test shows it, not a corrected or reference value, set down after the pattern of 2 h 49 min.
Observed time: 7 h 08 min
